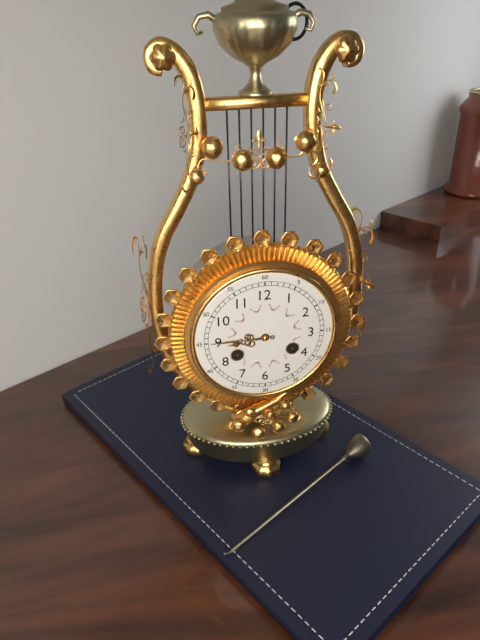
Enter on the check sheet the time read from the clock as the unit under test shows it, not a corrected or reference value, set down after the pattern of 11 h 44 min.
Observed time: 8 h 45 min
